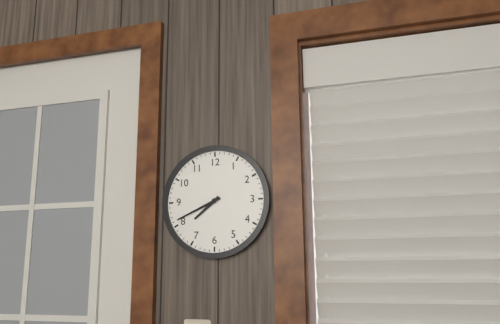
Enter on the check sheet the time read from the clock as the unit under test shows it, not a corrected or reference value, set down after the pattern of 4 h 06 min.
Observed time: 7 h 41 min
